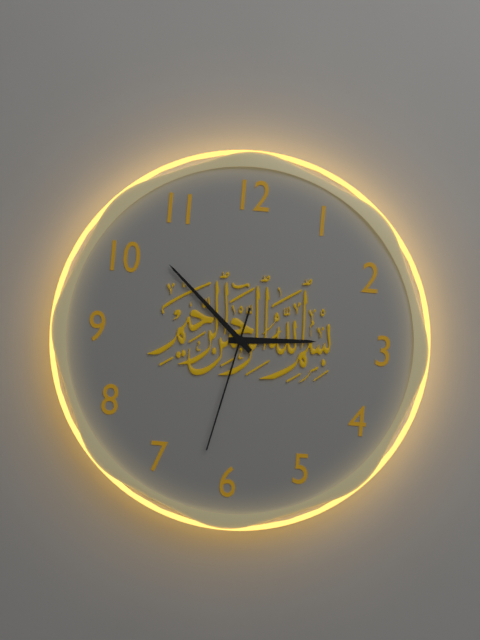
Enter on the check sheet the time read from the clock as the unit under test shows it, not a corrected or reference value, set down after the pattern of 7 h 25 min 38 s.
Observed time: 2 h 52 min 32 s
